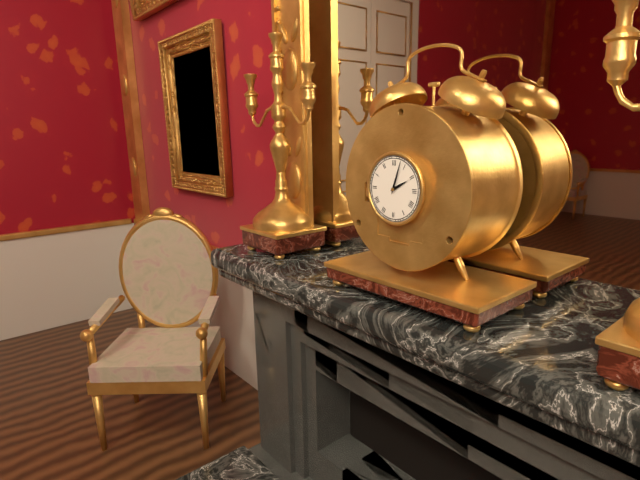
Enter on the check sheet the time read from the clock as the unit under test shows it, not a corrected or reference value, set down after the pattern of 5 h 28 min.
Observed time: 2 h 03 min
